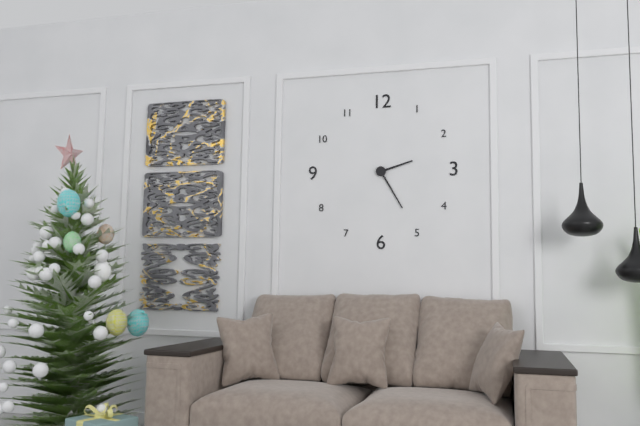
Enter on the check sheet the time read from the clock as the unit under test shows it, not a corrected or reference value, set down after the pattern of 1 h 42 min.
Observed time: 2 h 25 min
